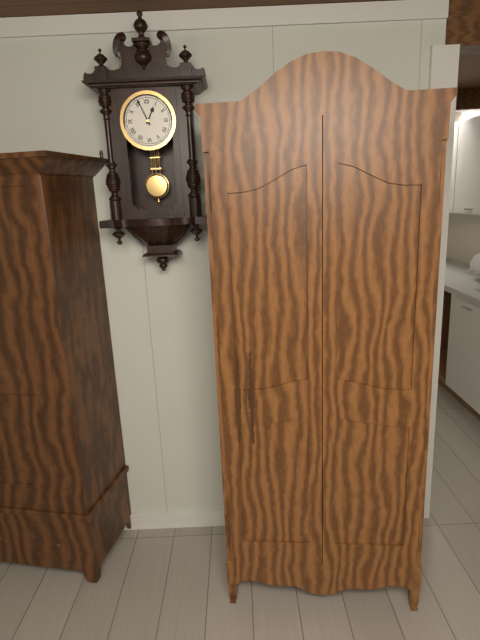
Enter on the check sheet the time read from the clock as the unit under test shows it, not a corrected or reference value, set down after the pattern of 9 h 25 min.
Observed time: 12 h 56 min
